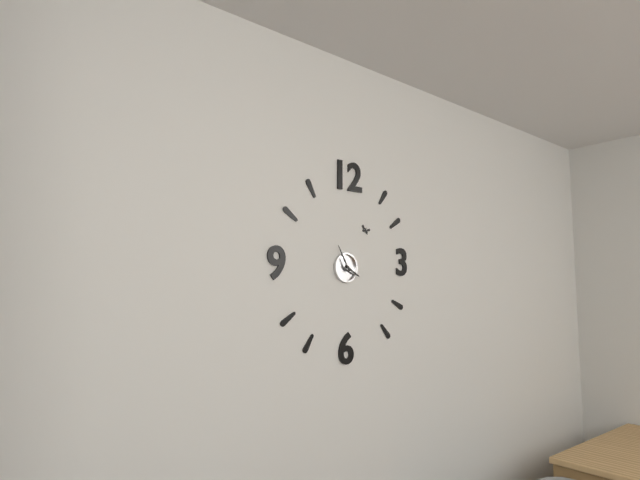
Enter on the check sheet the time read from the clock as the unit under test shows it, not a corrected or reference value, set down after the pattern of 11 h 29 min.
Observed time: 3 h 55 min
